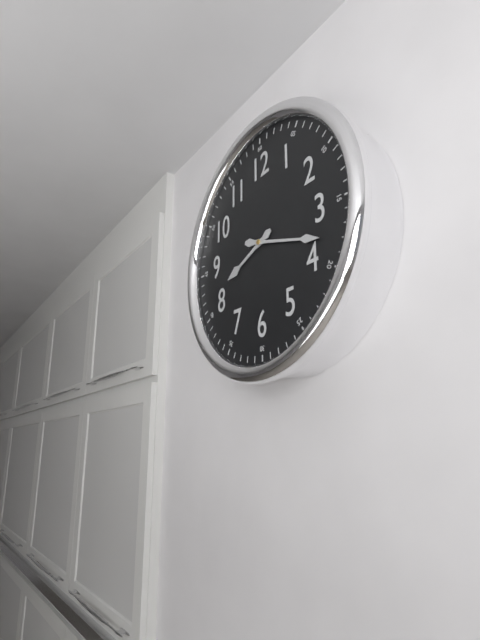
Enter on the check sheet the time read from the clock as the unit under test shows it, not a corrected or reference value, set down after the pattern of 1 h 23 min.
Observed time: 8 h 18 min
